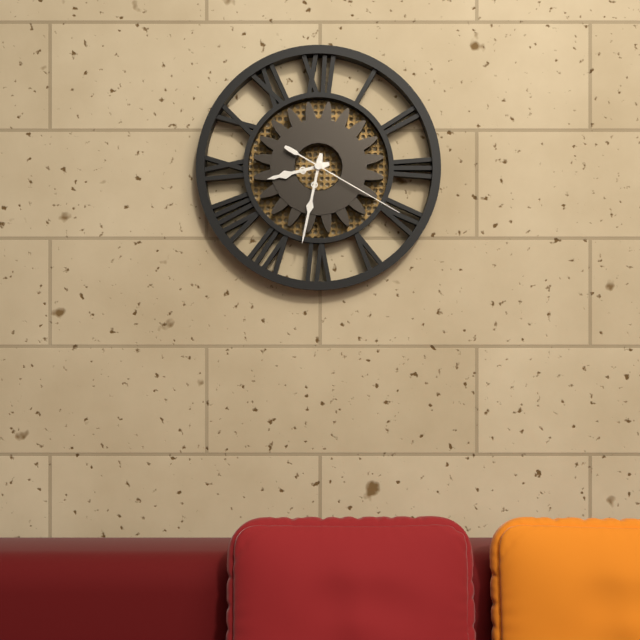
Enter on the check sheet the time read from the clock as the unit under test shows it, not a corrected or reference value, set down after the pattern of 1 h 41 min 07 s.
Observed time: 8 h 32 min 20 s
